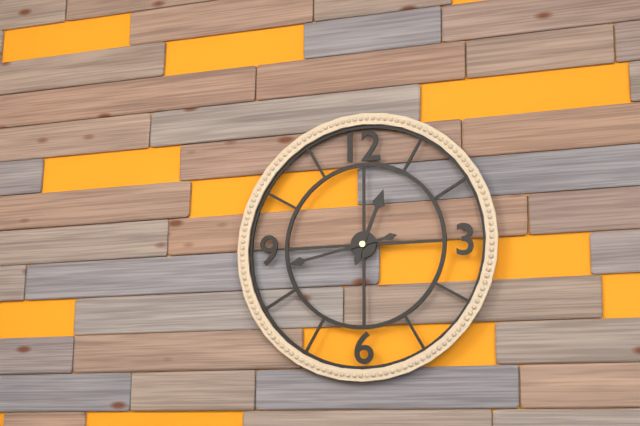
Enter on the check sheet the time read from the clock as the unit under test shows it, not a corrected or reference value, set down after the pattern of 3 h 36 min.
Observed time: 12 h 43 min
